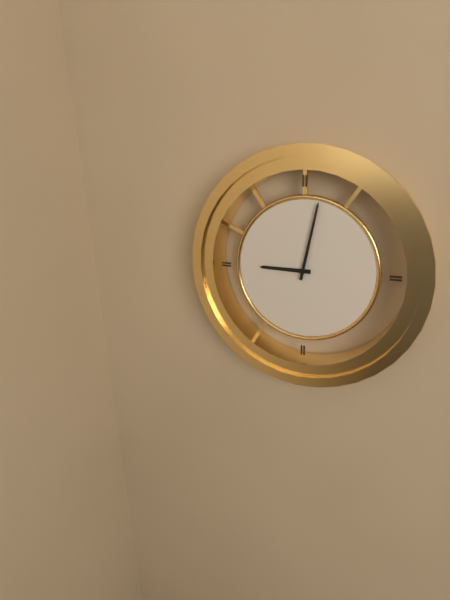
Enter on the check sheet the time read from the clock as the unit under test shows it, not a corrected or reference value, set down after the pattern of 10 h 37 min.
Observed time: 9 h 02 min
